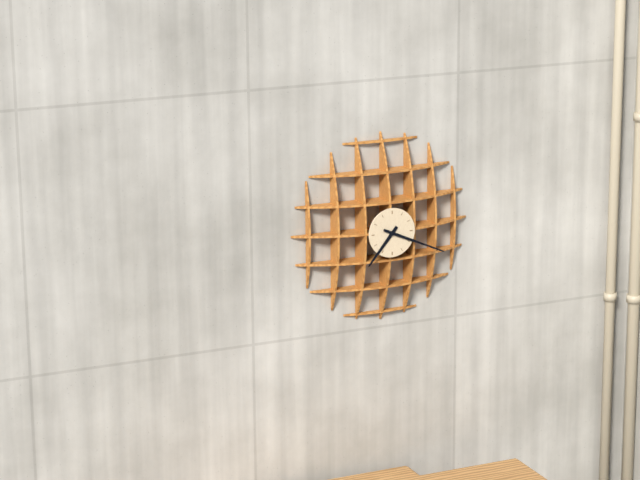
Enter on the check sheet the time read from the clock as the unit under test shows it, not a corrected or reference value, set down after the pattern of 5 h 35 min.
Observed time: 7 h 19 min
